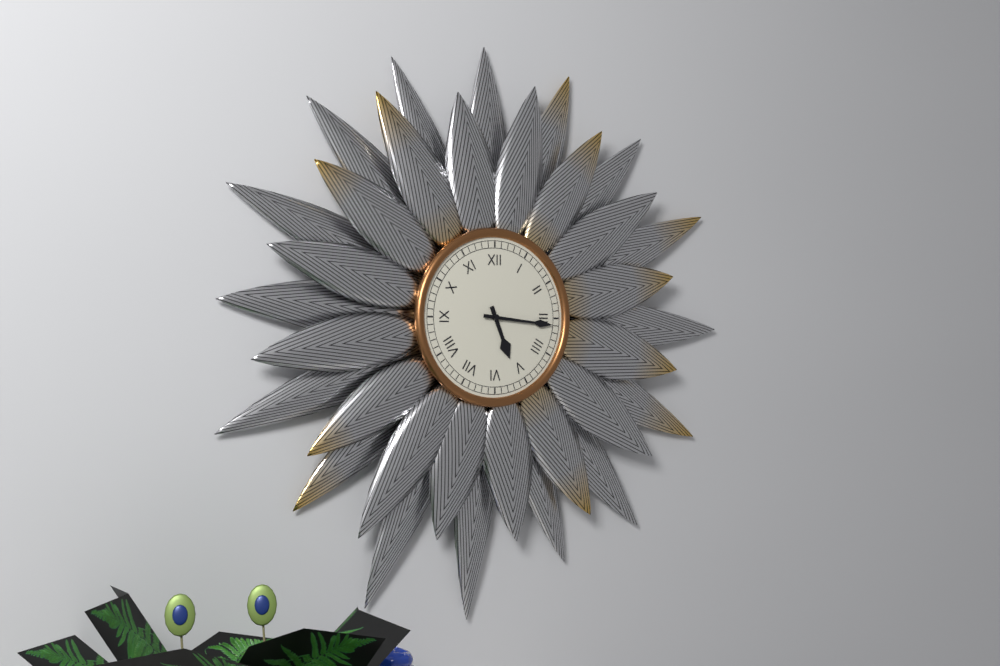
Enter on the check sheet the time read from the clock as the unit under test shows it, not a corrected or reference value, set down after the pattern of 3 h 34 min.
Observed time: 5 h 16 min
